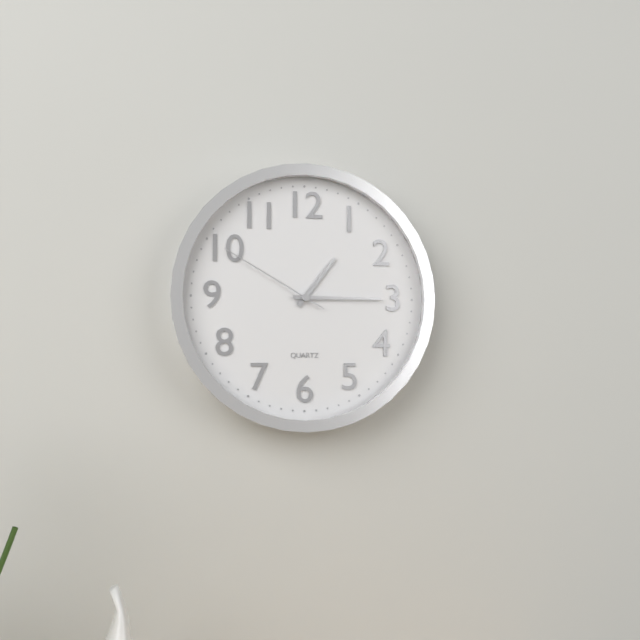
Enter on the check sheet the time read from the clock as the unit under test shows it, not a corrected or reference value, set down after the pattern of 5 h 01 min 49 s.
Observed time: 1 h 15 min 50 s
